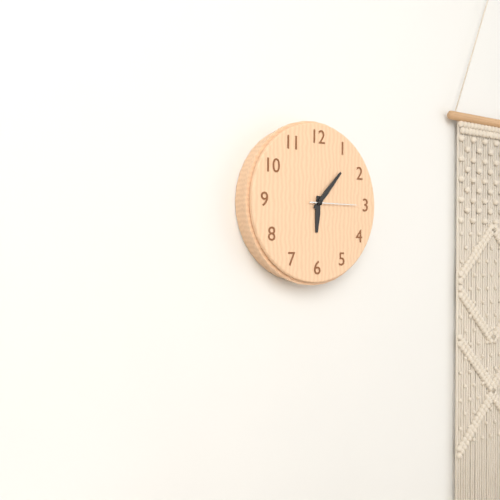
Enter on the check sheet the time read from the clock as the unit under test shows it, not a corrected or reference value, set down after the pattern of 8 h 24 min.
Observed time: 6 h 07 min
